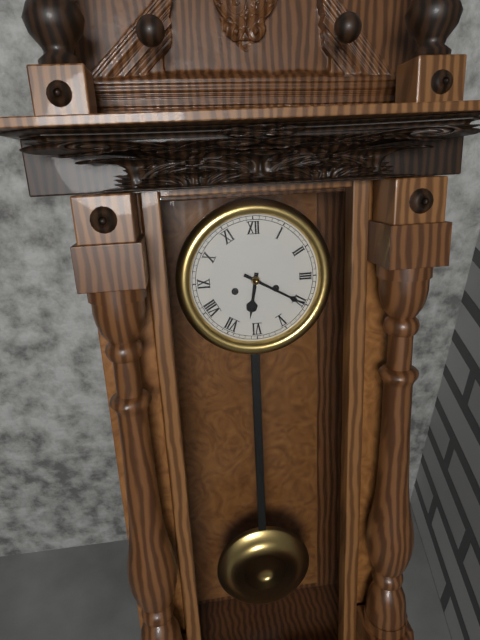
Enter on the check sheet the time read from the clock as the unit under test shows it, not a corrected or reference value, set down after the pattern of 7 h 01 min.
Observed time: 6 h 20 min
